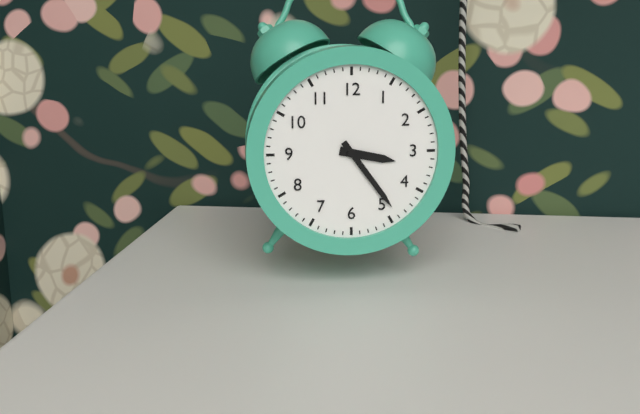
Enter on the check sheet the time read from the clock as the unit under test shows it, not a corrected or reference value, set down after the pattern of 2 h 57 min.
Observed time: 3 h 24 min
